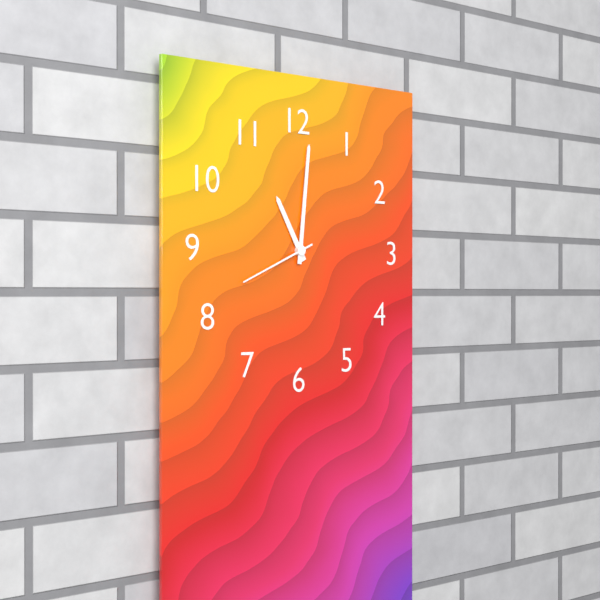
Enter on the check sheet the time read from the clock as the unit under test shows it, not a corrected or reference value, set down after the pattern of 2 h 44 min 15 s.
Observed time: 11 h 01 min 41 s
